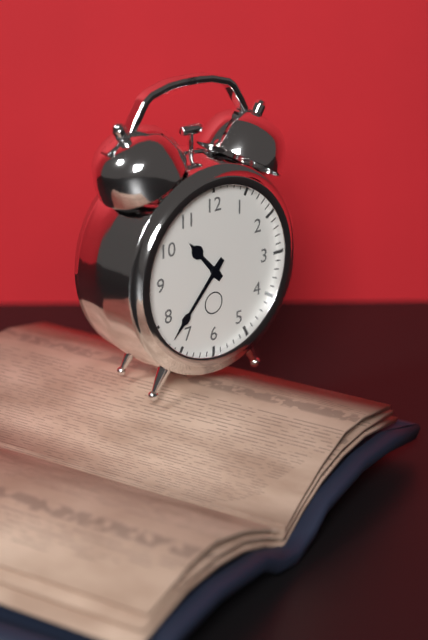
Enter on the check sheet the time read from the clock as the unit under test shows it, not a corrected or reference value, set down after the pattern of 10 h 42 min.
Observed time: 10 h 37 min
